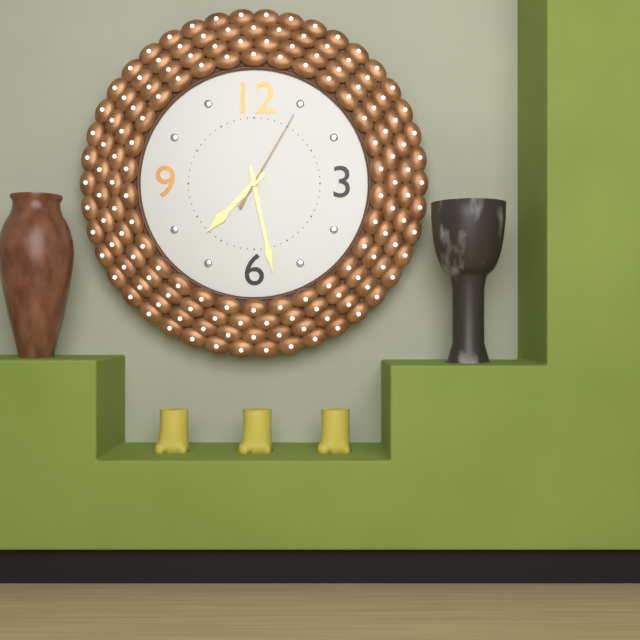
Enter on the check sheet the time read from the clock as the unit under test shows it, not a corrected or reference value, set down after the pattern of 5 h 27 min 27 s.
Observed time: 7 h 28 min 05 s
